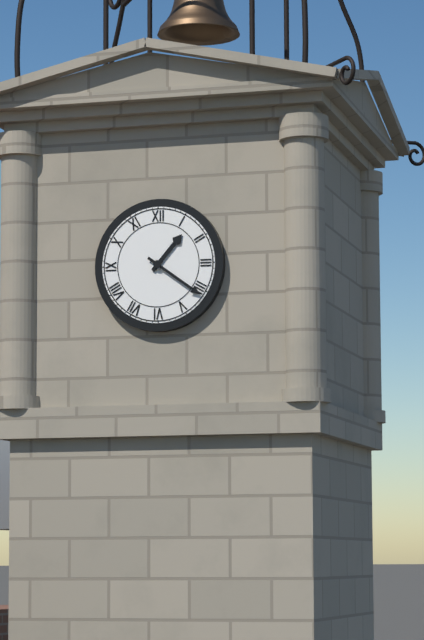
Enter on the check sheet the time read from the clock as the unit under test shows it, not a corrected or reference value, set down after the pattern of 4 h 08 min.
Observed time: 1 h 21 min
